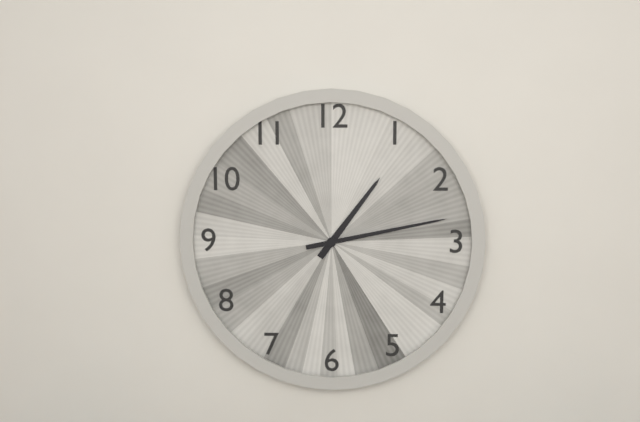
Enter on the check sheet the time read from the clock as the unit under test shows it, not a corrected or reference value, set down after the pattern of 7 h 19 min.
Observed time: 1 h 13 min
